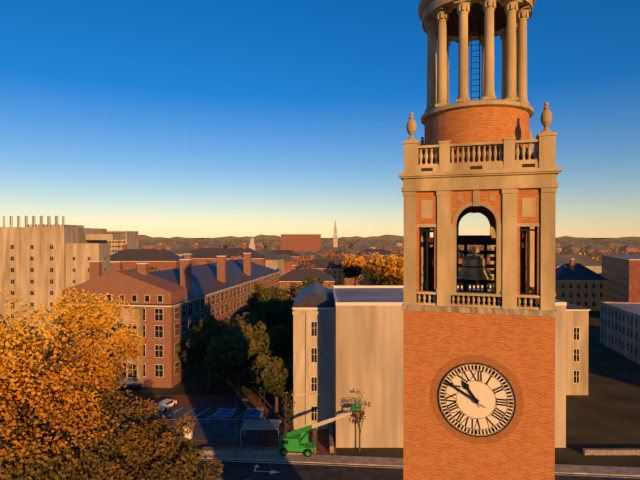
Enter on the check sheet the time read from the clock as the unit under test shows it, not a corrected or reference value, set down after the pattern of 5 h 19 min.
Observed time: 10 h 50 min
